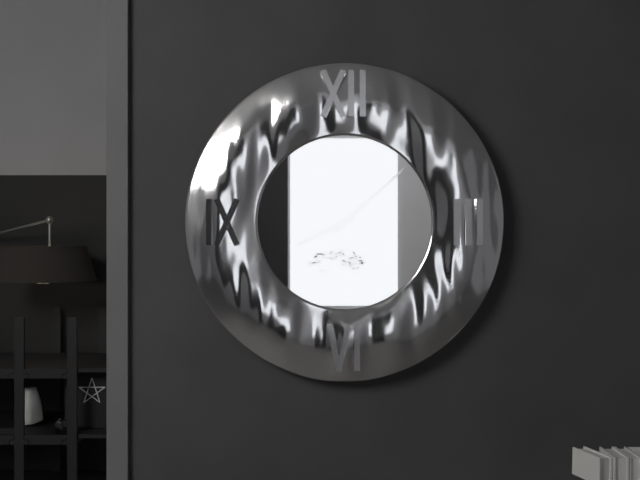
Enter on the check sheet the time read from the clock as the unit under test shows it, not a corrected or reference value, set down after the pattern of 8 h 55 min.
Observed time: 8 h 08 min
